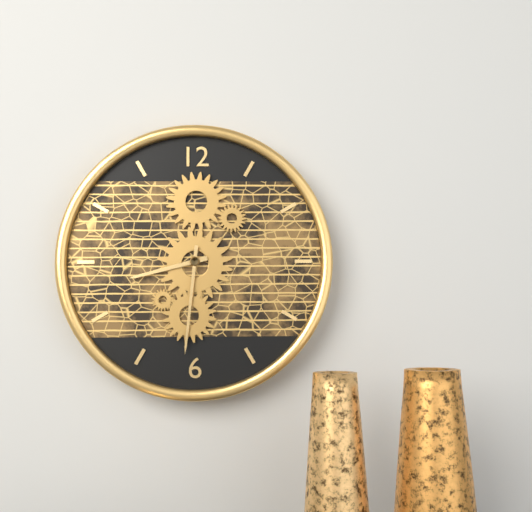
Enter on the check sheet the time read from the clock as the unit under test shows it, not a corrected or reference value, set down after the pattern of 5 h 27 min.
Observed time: 8 h 31 min
